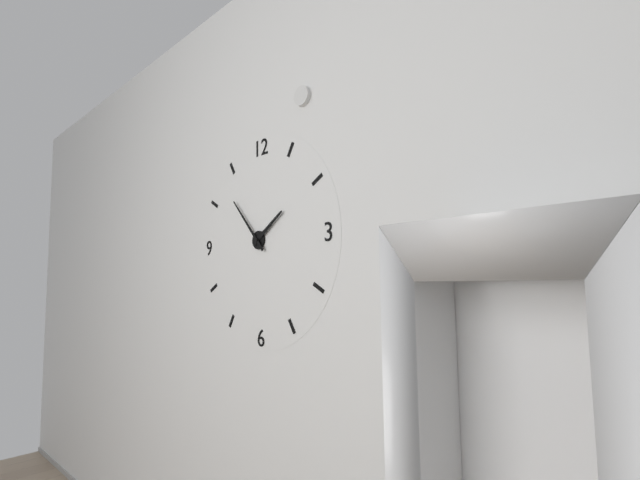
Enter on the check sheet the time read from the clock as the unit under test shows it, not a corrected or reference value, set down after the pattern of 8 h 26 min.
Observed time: 1 h 53 min
